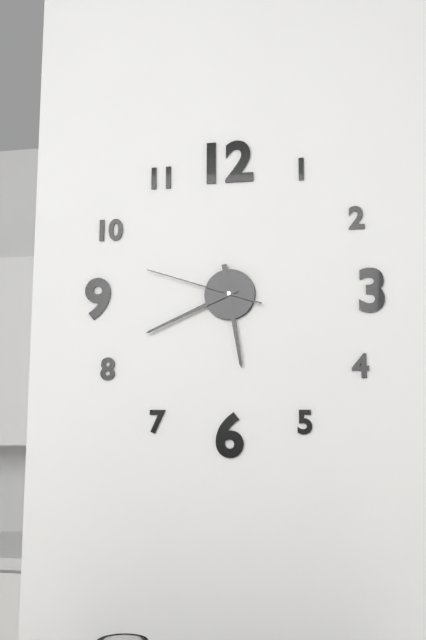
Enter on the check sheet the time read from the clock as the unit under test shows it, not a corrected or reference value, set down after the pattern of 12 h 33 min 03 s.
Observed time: 5 h 41 min 48 s
